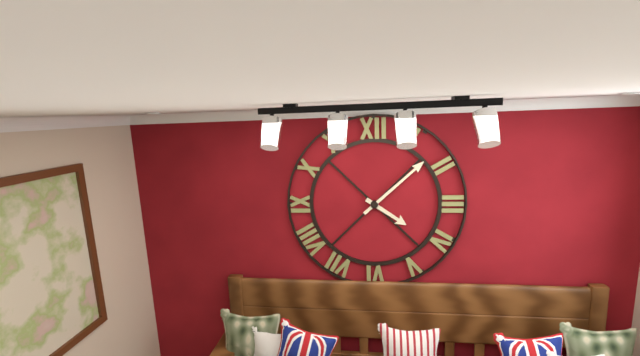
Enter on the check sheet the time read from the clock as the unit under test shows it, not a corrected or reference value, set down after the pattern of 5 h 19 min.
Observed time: 4 h 08 min
